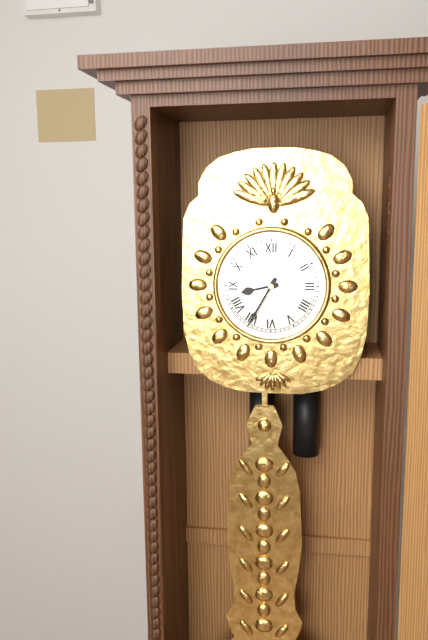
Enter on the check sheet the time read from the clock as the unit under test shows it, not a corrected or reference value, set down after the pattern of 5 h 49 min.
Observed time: 8 h 35 min
